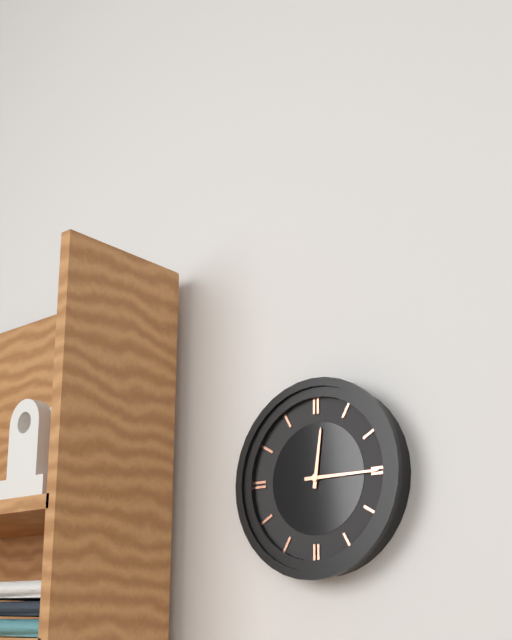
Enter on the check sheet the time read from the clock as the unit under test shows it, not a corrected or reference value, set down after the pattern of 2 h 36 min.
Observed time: 12 h 15 min
